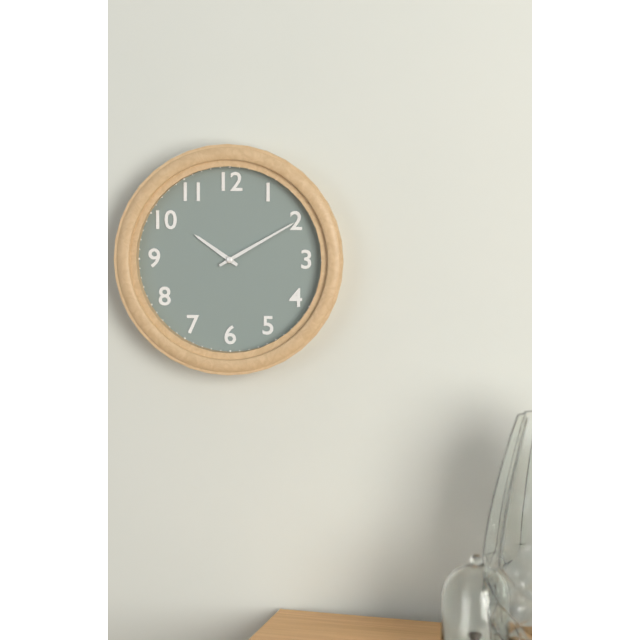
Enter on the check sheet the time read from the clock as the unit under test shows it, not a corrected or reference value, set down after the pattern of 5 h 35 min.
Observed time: 10 h 10 min
